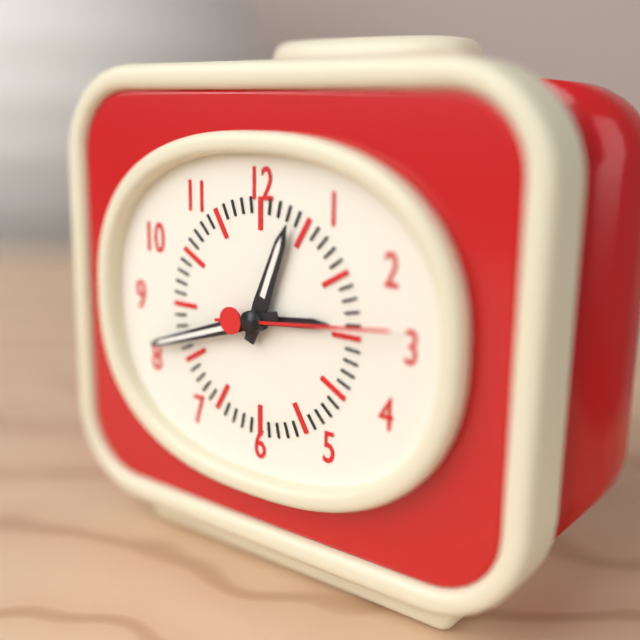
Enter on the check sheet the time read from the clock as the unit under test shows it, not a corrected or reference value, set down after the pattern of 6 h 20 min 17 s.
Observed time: 12 h 42 min 14 s
